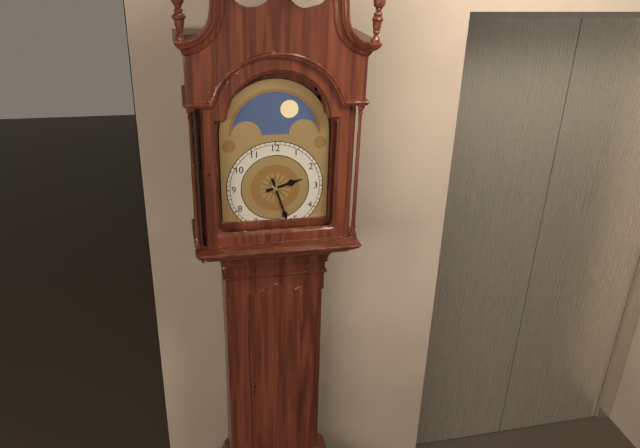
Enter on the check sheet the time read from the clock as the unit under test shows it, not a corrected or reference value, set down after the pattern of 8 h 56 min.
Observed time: 2 h 27 min
